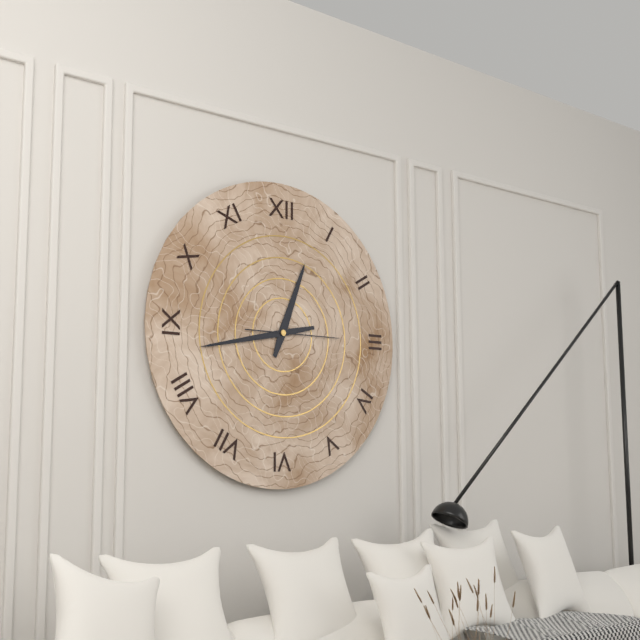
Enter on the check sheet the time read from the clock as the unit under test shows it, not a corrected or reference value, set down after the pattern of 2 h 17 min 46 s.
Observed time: 12 h 43 min 15 s
